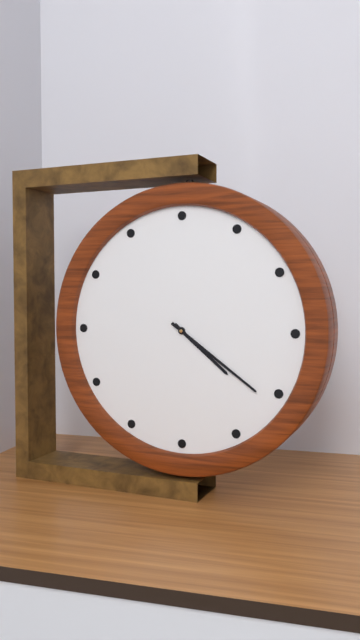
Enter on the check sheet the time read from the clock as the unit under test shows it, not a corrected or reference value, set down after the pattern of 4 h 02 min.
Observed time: 4 h 21 min
